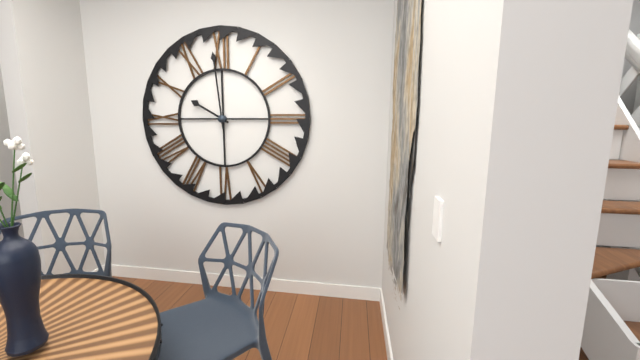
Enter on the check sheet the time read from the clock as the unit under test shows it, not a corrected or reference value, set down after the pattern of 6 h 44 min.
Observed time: 9 h 59 min
